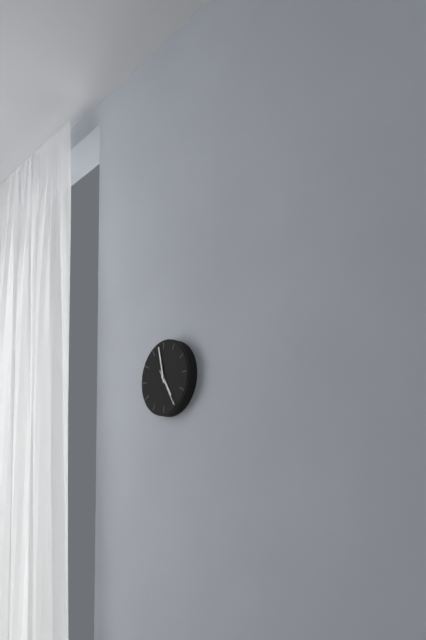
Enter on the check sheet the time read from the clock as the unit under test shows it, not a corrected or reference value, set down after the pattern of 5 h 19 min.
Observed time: 4 h 58 min
